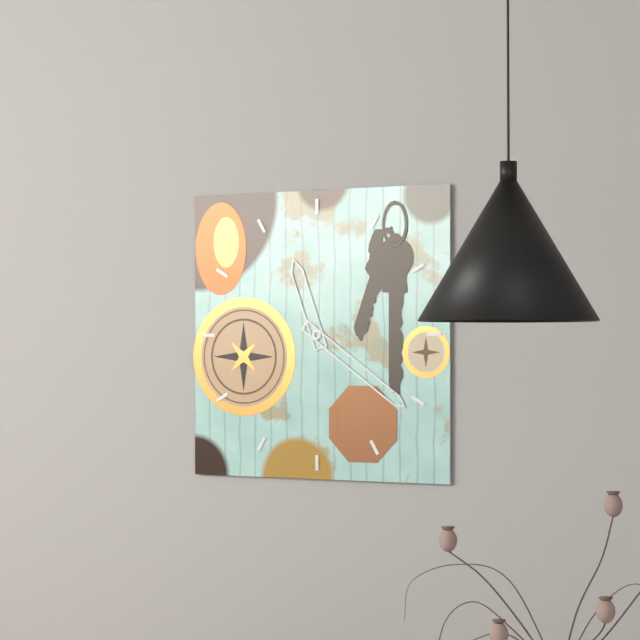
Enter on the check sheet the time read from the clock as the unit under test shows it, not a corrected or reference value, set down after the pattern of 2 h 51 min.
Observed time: 11 h 21 min
